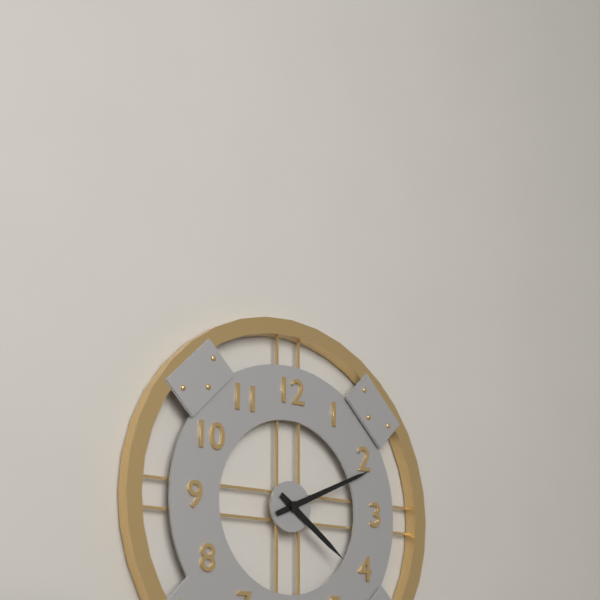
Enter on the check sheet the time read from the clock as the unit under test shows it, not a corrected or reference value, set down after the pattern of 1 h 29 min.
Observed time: 4 h 11 min
